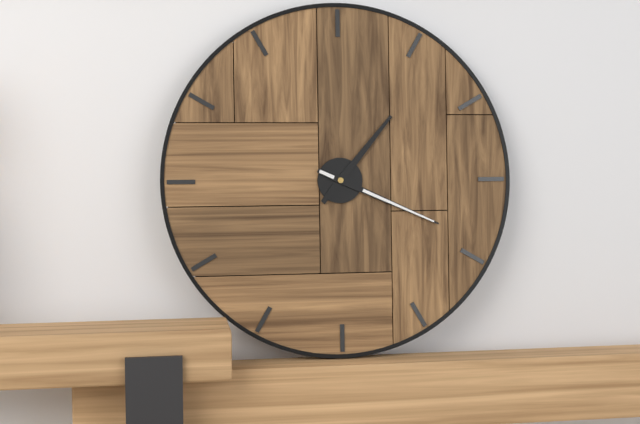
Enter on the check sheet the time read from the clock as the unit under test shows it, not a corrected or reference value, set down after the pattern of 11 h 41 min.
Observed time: 1 h 19 min
